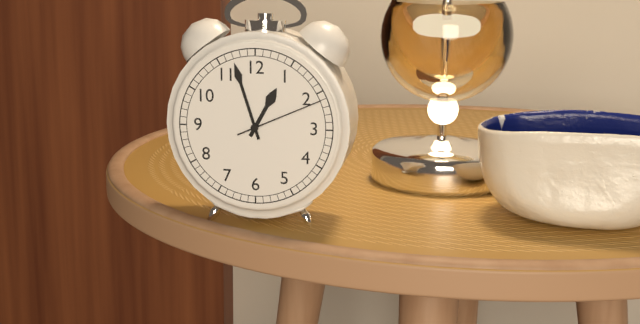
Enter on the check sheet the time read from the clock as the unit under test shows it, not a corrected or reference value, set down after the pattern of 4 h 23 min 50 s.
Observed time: 12 h 57 min 11 s
